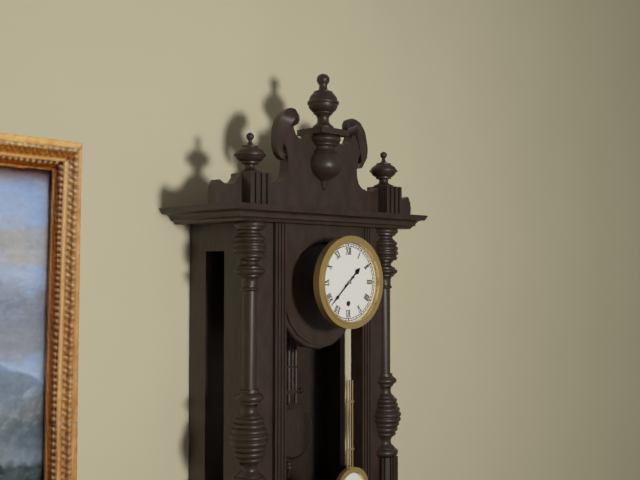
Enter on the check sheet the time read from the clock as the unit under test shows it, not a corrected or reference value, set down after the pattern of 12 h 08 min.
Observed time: 1 h 38 min
